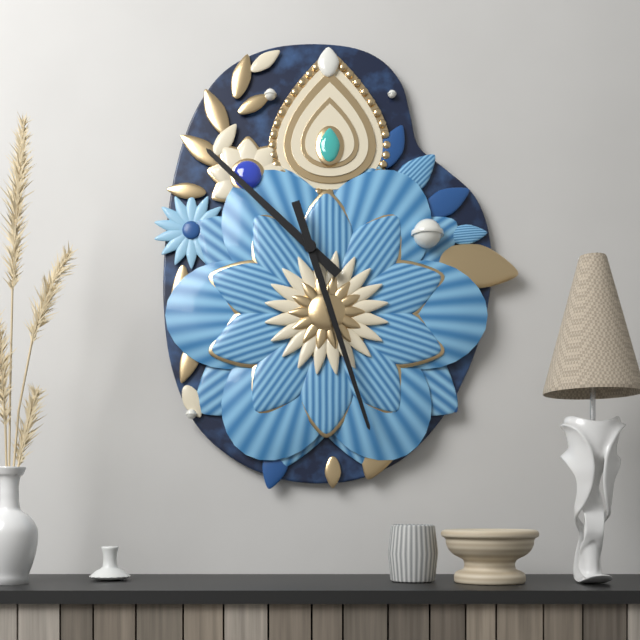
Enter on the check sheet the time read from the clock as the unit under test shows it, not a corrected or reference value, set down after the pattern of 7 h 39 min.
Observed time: 10 h 27 min
